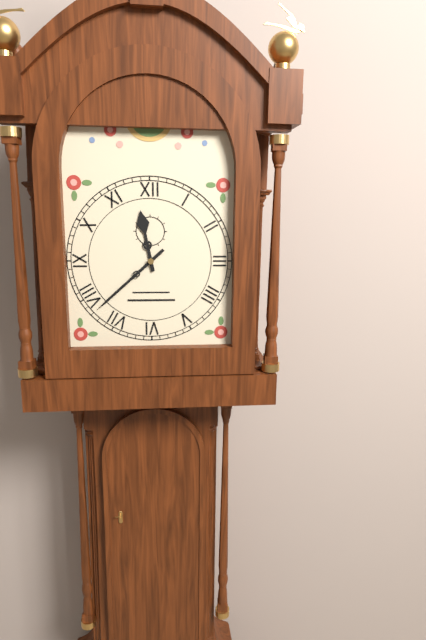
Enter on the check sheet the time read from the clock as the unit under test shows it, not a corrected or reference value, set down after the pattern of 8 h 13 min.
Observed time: 11 h 38 min
